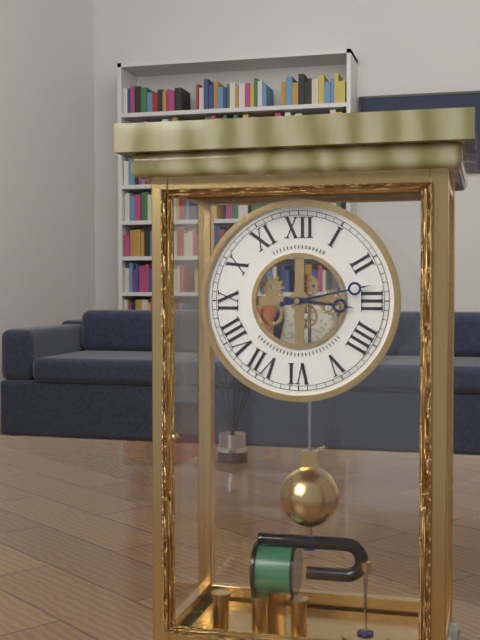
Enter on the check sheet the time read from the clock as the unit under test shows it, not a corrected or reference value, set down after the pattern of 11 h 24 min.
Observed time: 3 h 13 min
